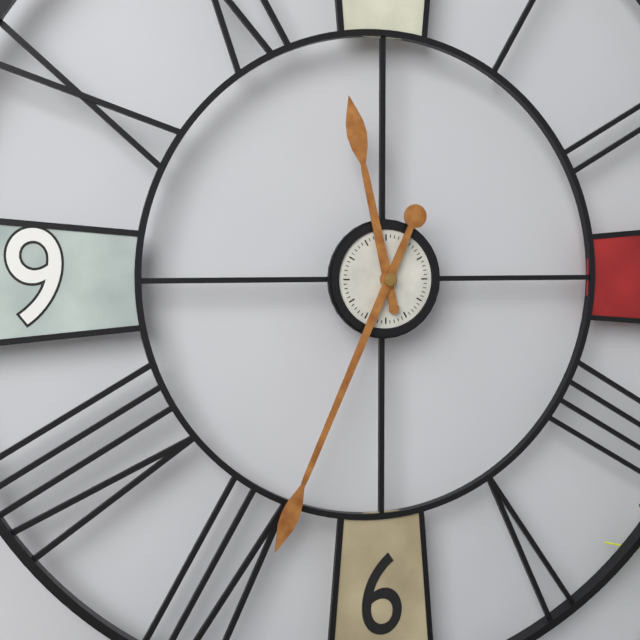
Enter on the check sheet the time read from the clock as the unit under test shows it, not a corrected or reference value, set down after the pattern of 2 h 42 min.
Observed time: 11 h 34 min
